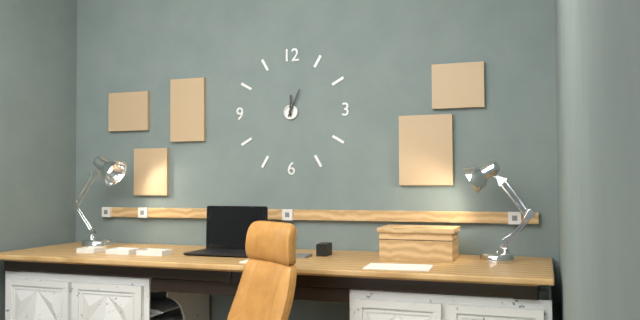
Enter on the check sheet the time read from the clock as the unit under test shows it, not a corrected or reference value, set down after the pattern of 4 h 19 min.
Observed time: 12 h 04 min
